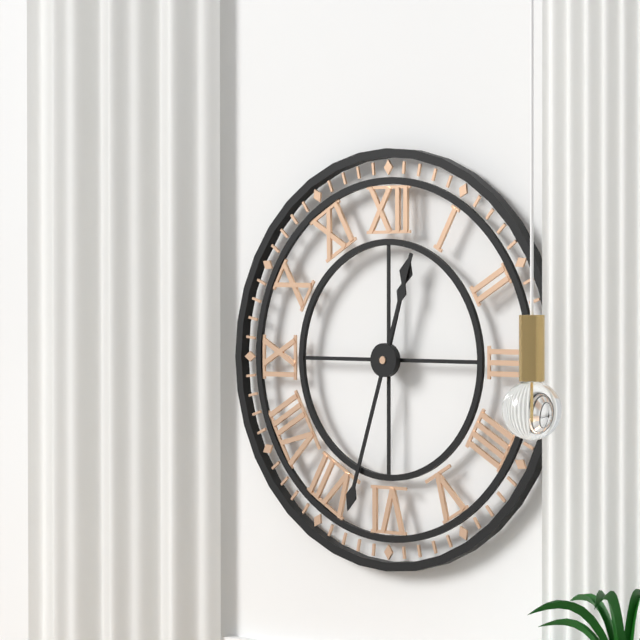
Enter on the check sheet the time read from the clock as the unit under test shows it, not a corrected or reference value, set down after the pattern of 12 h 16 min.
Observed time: 12 h 33 min
